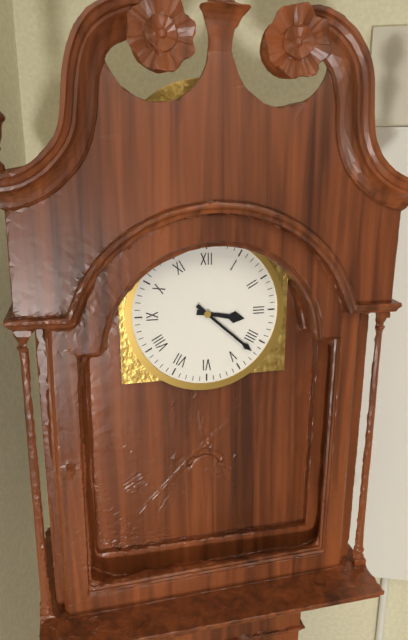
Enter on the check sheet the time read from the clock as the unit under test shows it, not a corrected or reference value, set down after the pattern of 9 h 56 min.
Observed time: 3 h 22 min
